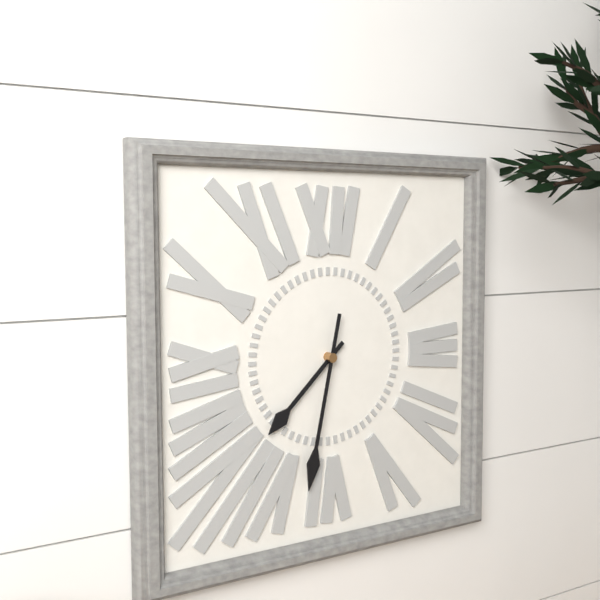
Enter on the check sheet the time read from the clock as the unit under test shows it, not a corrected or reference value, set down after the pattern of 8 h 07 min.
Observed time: 7 h 32 min
